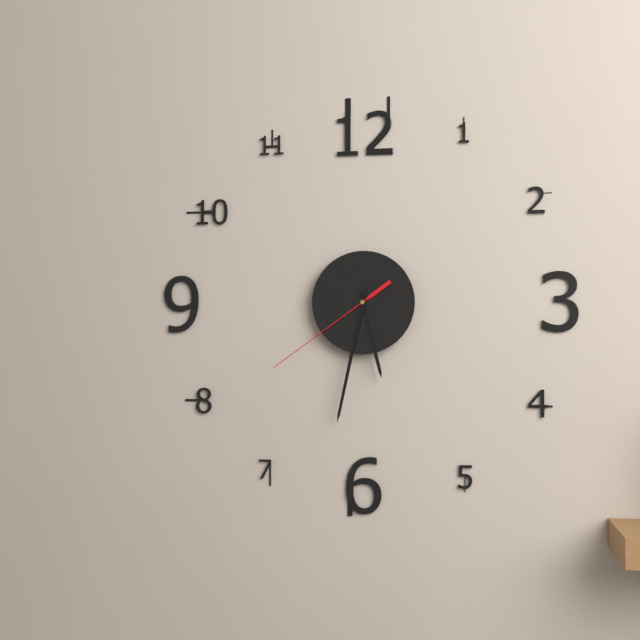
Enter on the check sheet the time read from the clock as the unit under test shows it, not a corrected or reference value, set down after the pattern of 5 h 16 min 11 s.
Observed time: 5 h 32 min 39 s
